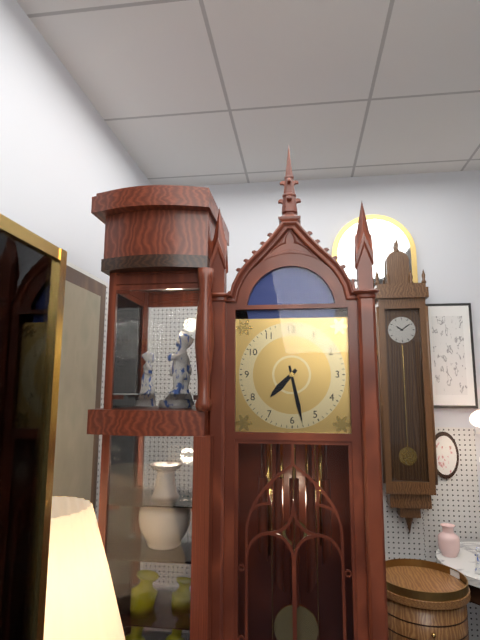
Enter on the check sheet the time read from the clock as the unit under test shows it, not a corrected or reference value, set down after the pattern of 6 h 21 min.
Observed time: 7 h 28 min
